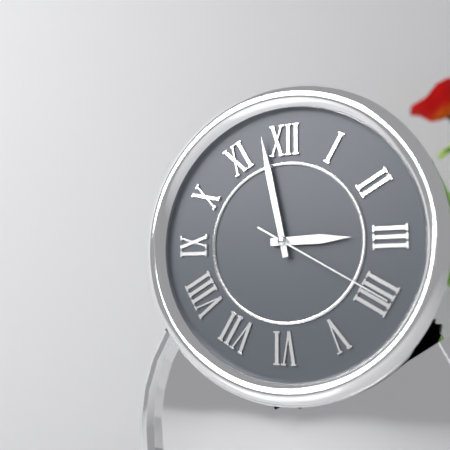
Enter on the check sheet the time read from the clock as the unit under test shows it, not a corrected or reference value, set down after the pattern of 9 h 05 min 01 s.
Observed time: 2 h 58 min 20 s
